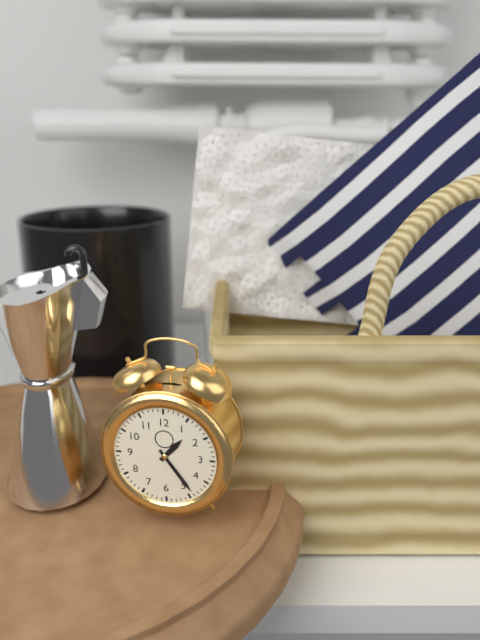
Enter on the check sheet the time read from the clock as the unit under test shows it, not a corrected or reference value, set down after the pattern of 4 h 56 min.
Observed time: 1 h 24 min
